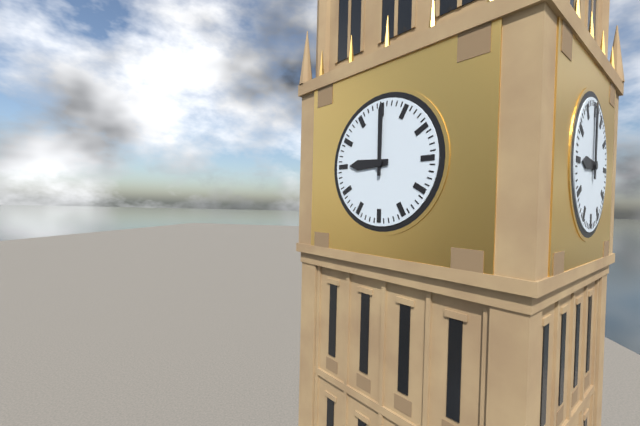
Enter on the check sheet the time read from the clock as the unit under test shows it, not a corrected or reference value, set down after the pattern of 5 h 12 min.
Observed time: 9 h 00 min
